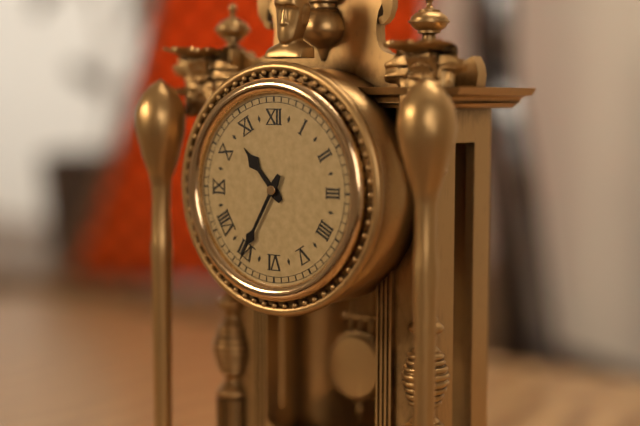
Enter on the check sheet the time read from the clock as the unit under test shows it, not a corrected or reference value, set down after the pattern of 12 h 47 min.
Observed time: 10 h 35 min
